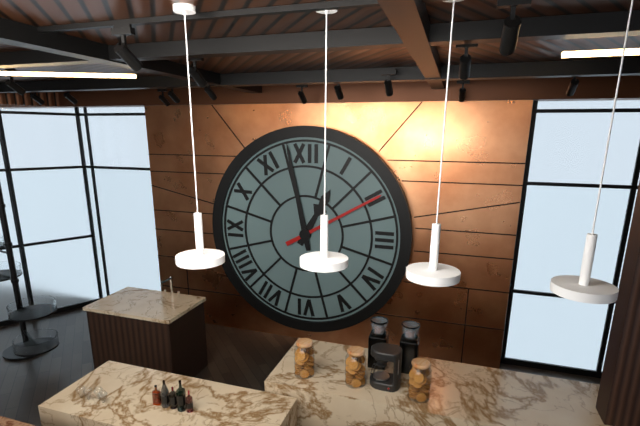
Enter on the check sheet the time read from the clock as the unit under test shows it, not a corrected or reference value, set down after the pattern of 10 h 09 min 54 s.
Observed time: 12 h 58 min 10 s
